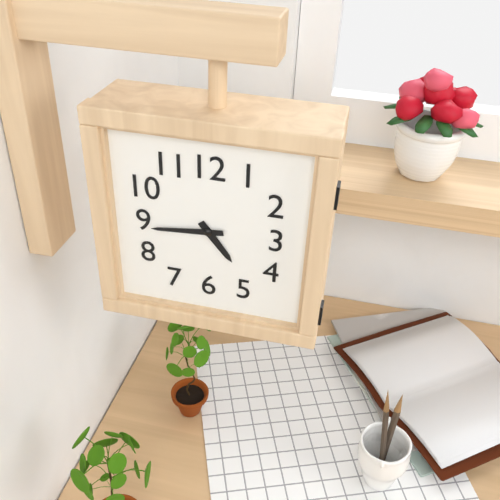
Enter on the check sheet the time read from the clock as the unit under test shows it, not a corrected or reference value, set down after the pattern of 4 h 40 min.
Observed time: 4 h 44 min
